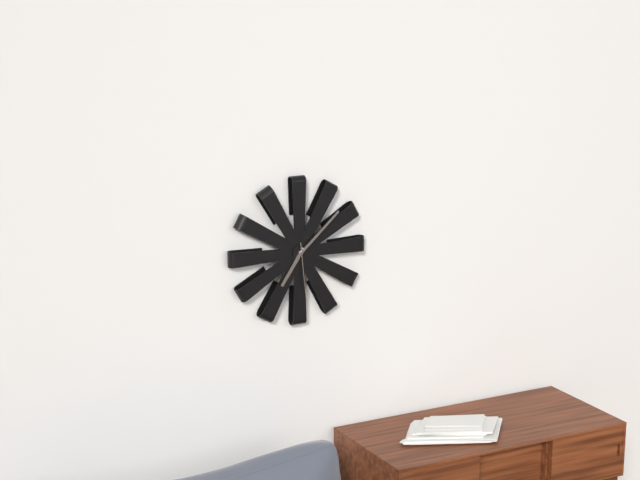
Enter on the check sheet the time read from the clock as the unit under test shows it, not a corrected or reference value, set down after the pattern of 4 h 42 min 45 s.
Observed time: 7 h 08 min 29 s
